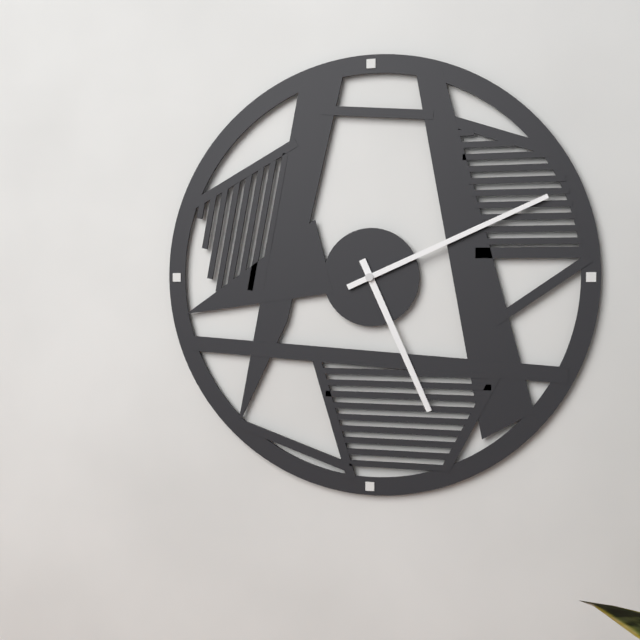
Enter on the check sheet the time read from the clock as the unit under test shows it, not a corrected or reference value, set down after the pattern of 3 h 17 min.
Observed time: 5 h 11 min
